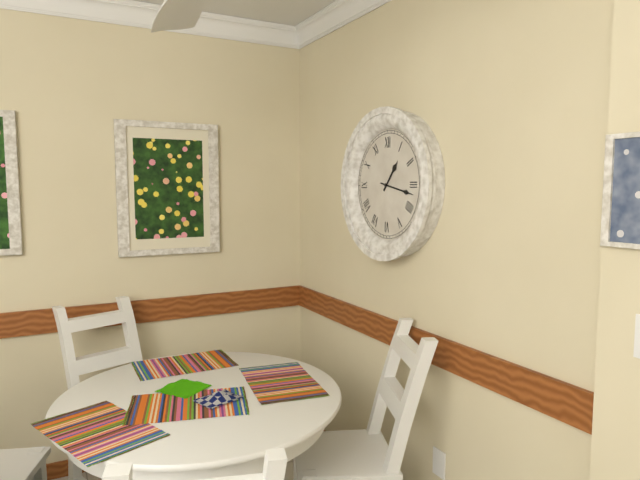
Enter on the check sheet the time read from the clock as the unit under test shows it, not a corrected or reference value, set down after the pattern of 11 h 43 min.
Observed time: 1 h 17 min
